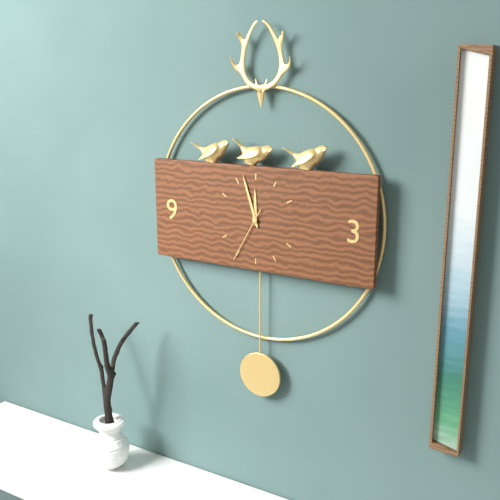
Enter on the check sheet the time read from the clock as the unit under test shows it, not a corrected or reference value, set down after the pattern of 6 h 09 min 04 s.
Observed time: 11 h 57 min 35 s
